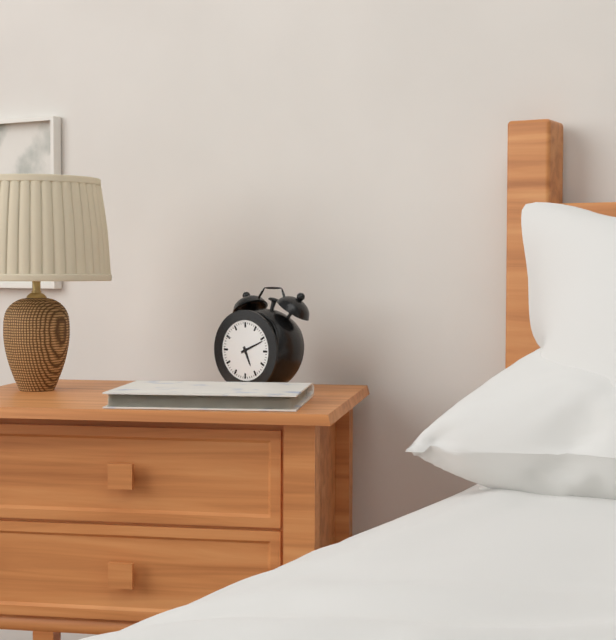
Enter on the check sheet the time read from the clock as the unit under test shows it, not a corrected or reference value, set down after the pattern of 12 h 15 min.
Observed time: 5 h 11 min
